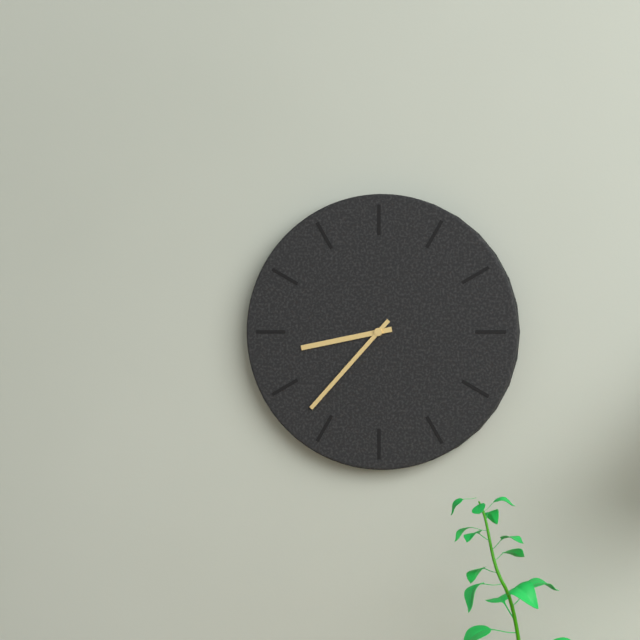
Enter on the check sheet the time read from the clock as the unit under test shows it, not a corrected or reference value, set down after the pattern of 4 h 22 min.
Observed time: 8 h 37 min
